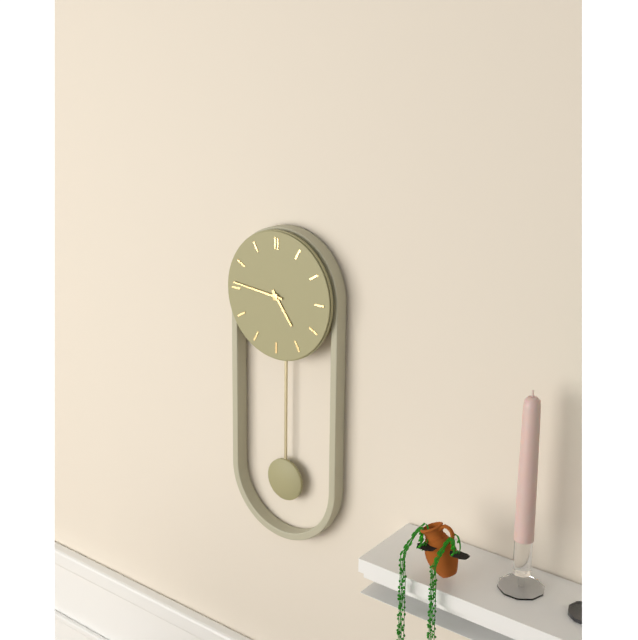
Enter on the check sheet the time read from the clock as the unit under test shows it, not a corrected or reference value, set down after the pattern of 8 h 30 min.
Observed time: 4 h 46 min
